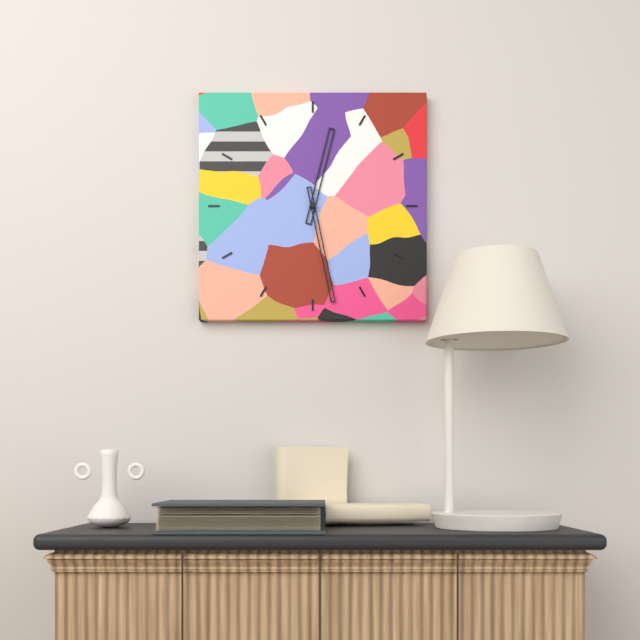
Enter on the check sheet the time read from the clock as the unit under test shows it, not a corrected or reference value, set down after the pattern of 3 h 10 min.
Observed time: 12 h 28 min
